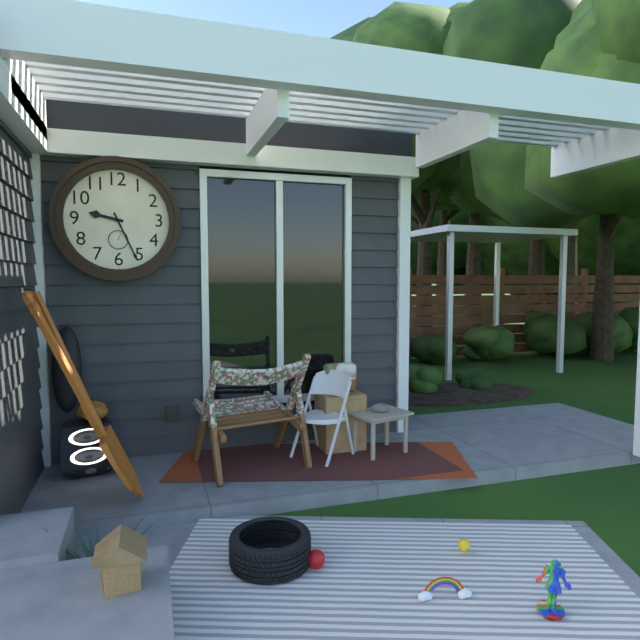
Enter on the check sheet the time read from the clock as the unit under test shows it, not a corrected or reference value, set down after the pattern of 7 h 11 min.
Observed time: 9 h 26 min
